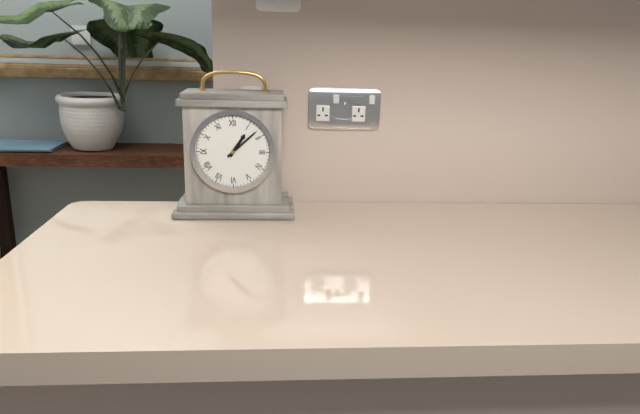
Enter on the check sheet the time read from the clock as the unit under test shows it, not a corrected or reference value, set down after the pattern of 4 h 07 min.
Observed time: 1 h 08 min
